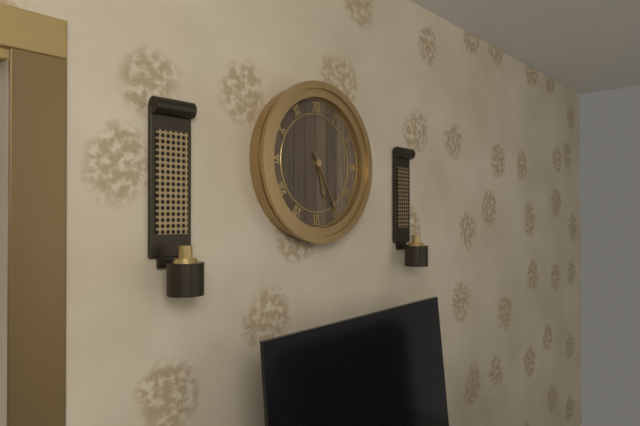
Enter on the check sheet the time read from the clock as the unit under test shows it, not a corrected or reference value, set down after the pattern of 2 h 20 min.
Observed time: 5 h 25 min
